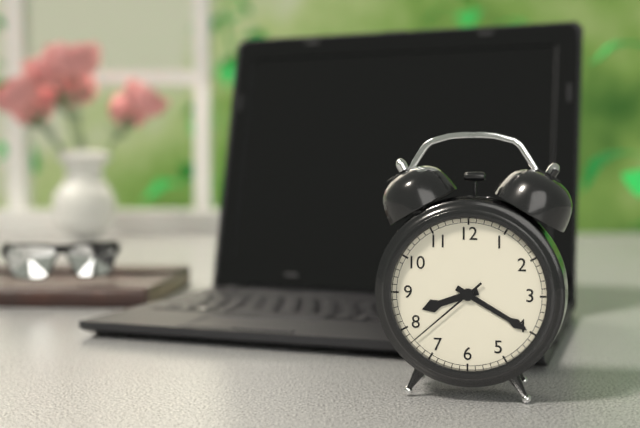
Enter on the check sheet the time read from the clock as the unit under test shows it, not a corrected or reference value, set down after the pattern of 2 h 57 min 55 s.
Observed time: 8 h 20 min 38 s
